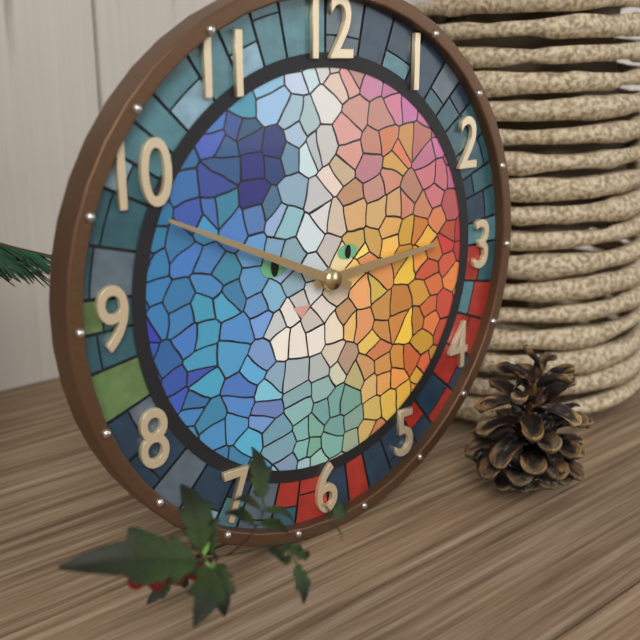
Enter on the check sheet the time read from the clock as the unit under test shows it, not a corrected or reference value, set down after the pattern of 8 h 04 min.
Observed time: 2 h 49 min
